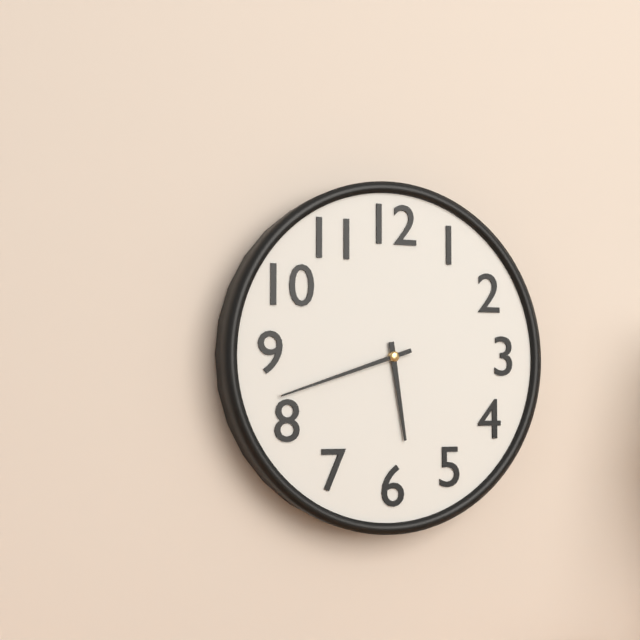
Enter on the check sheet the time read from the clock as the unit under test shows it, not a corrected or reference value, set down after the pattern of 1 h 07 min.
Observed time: 5 h 42 min
